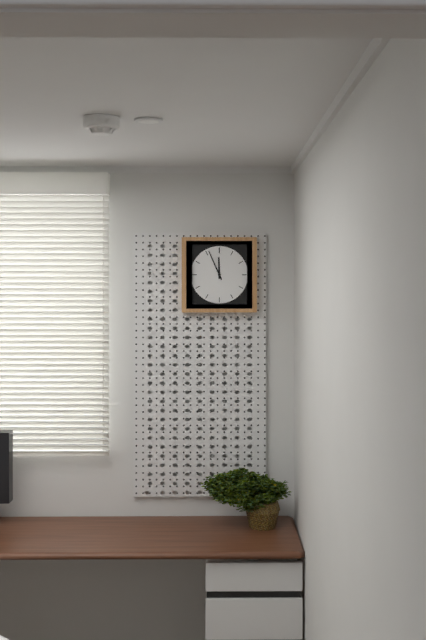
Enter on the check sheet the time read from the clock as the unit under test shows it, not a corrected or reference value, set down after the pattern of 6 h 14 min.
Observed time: 11 h 56 min
